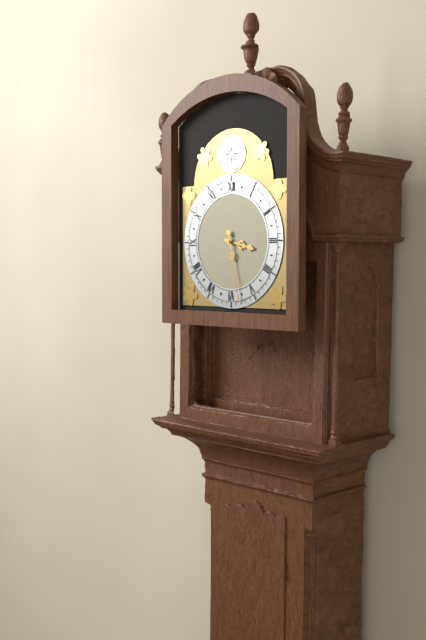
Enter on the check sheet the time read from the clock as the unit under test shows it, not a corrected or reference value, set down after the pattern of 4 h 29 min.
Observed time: 3 h 28 min
